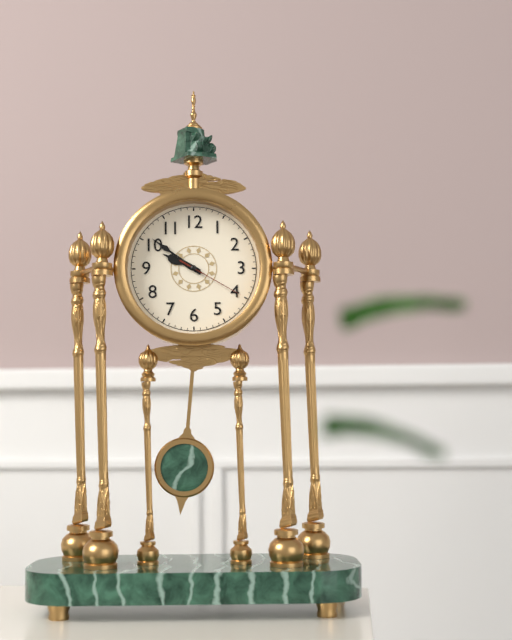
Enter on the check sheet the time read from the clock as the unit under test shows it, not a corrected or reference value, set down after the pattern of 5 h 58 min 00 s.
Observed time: 9 h 51 min 20 s
